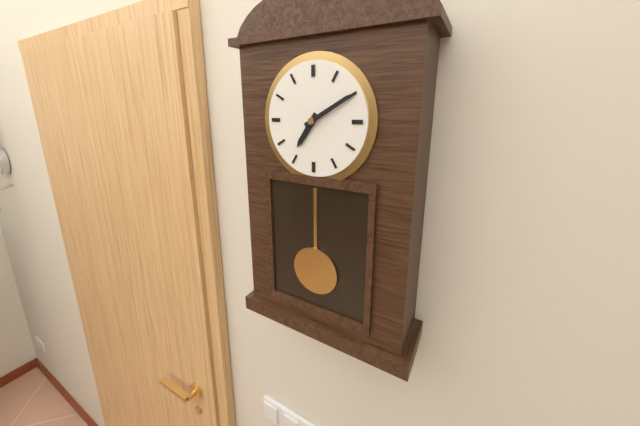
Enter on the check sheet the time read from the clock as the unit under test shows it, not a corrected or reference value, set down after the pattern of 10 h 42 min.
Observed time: 7 h 10 min
